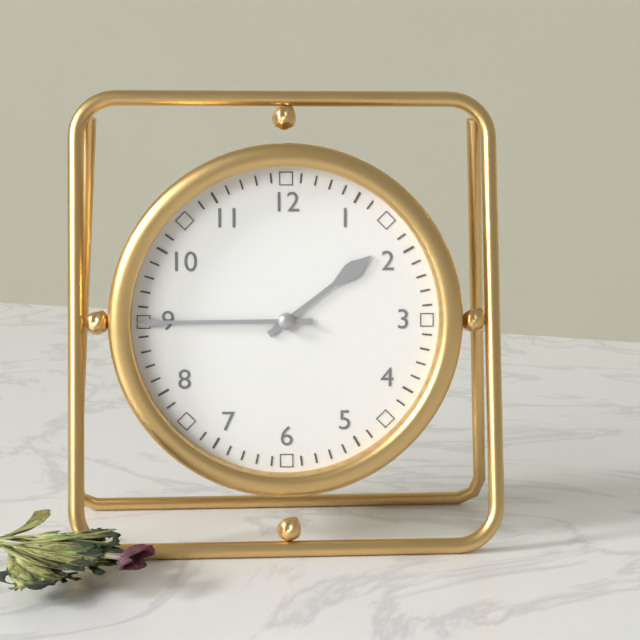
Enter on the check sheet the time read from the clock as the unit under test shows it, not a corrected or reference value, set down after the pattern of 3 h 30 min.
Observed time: 1 h 45 min
